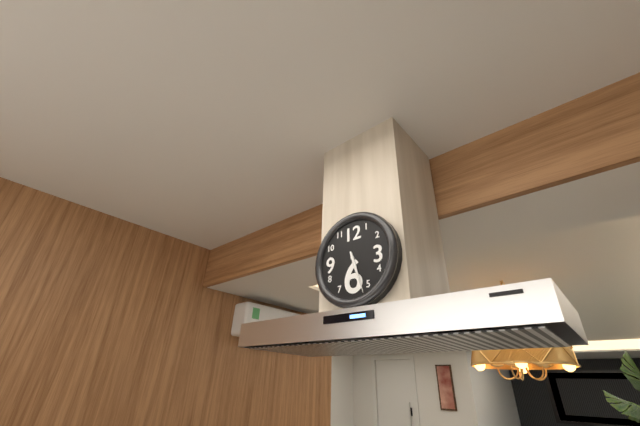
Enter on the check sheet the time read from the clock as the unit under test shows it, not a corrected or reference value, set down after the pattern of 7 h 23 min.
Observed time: 5 h 27 min
